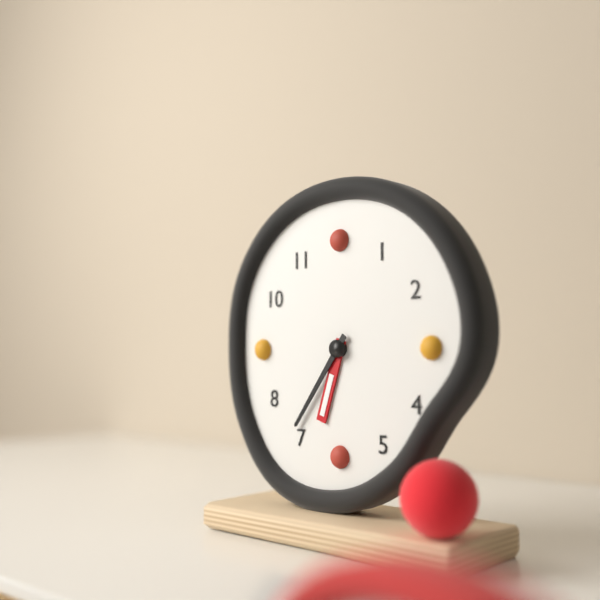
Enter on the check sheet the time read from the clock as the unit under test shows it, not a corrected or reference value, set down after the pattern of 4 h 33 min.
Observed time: 6 h 36 min
